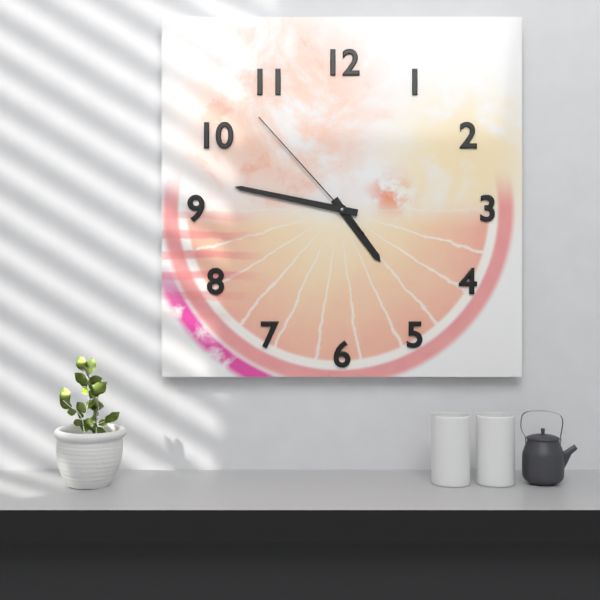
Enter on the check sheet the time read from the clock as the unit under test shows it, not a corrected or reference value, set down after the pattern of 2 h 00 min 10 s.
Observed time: 4 h 47 min 53 s
